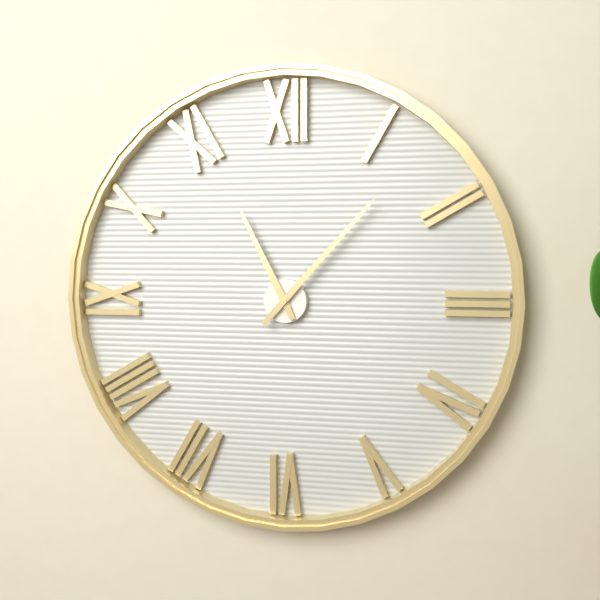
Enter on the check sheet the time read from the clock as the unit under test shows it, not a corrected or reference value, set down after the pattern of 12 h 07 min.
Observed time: 11 h 07 min
